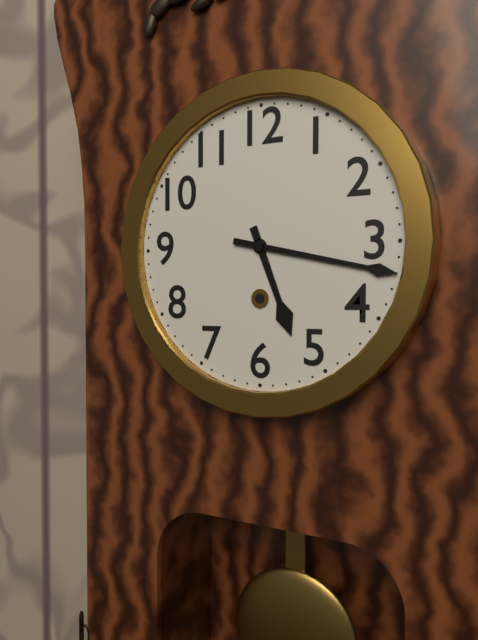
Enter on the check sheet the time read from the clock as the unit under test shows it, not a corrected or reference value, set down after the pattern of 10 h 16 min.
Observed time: 5 h 17 min
